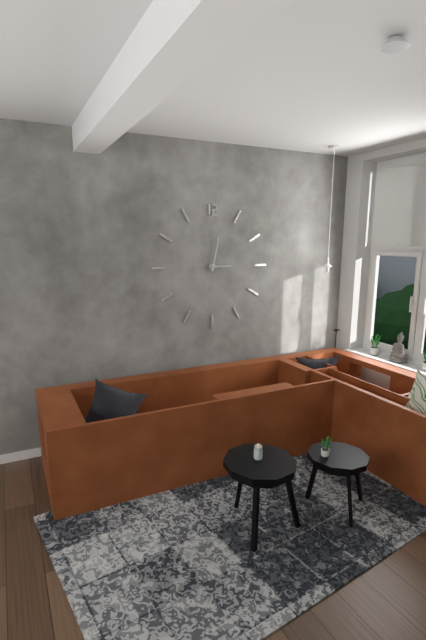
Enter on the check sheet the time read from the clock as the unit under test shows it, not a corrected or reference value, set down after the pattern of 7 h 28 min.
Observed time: 3 h 02 min
